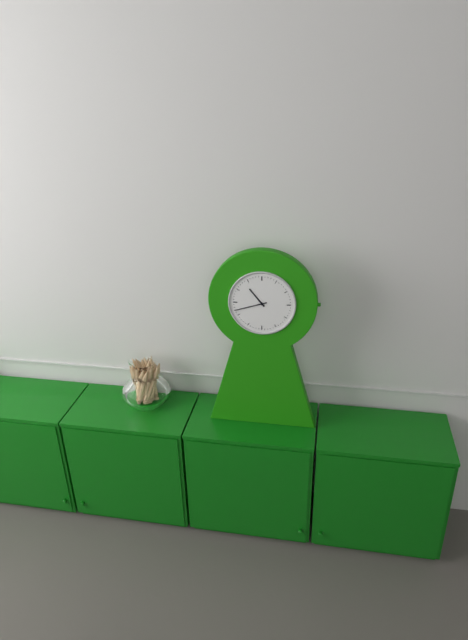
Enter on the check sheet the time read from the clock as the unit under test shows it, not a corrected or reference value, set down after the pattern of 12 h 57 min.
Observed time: 10 h 42 min
